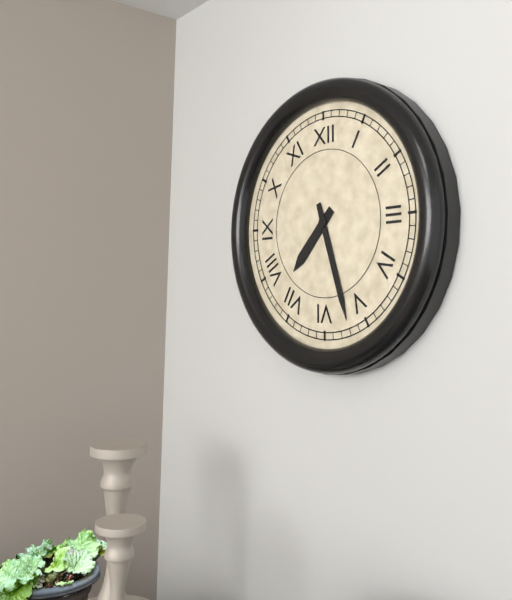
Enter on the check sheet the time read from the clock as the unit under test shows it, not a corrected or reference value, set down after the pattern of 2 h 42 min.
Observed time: 7 h 27 min
